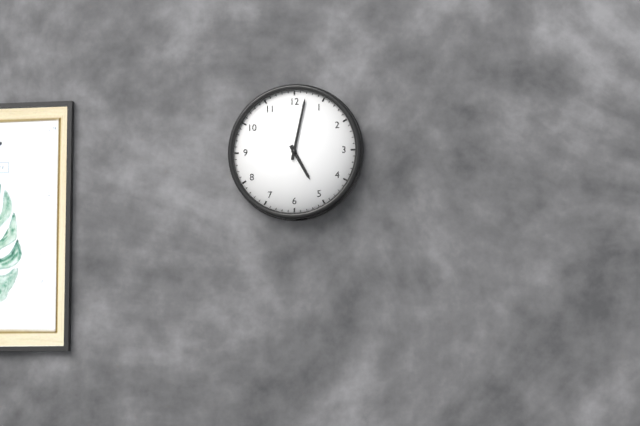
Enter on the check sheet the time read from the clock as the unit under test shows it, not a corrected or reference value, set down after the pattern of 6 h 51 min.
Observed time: 5 h 02 min
